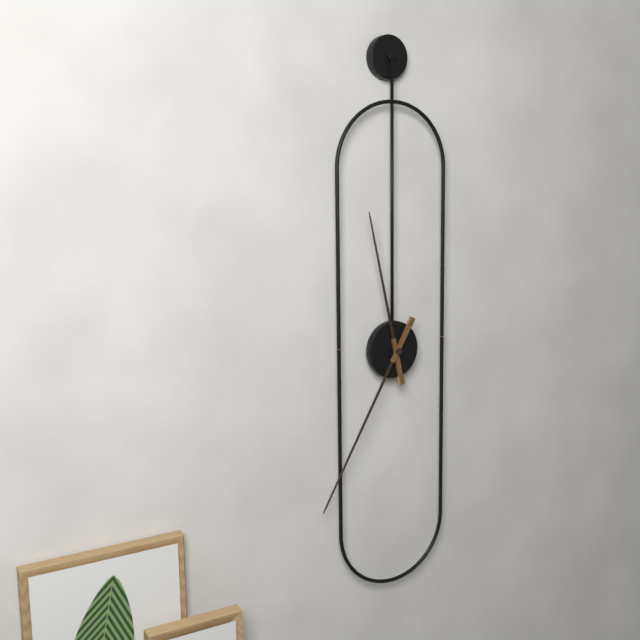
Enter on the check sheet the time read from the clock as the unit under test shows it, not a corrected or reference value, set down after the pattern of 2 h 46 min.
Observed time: 11 h 35 min
